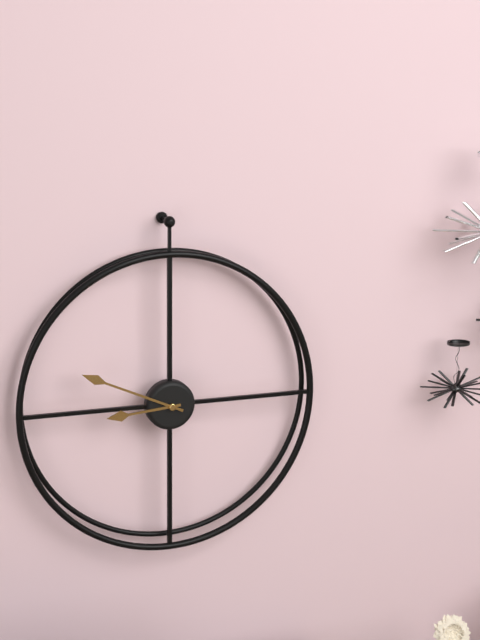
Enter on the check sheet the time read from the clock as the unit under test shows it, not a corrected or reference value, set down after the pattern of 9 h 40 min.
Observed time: 8 h 49 min
